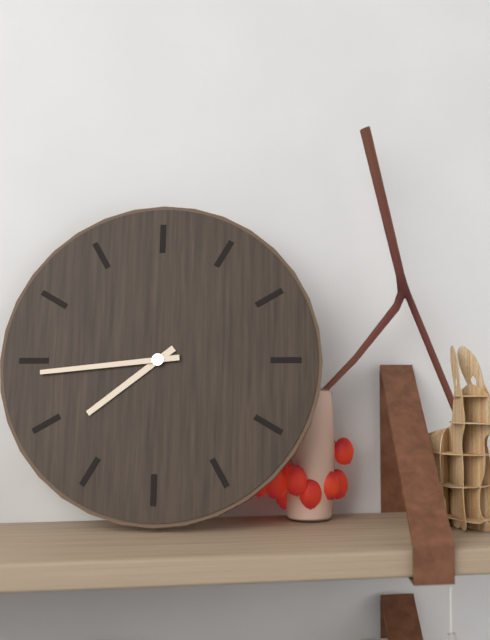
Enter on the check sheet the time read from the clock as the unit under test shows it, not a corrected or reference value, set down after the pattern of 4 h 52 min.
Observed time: 7 h 44 min
